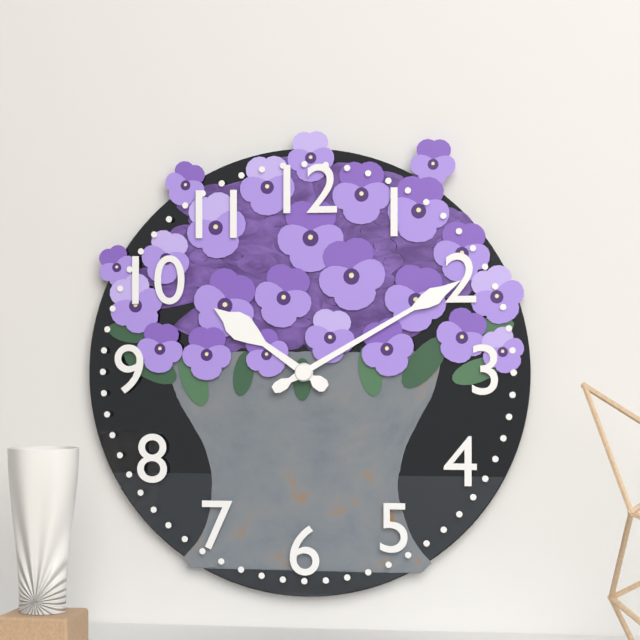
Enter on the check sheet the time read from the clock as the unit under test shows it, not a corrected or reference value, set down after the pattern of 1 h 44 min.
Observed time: 10 h 10 min
